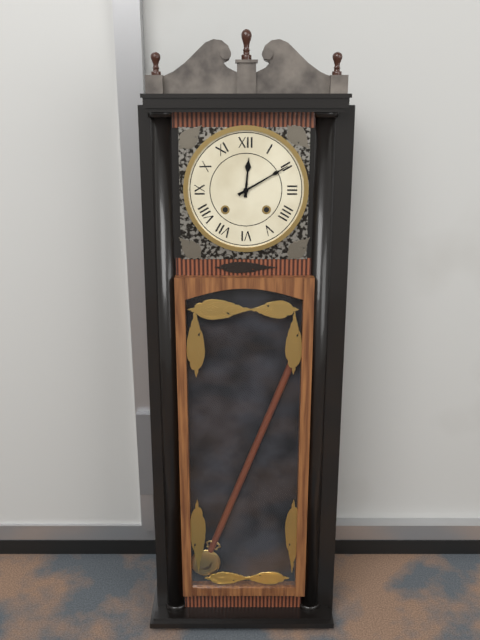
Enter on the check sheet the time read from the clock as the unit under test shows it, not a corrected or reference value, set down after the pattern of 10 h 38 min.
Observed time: 12 h 10 min
